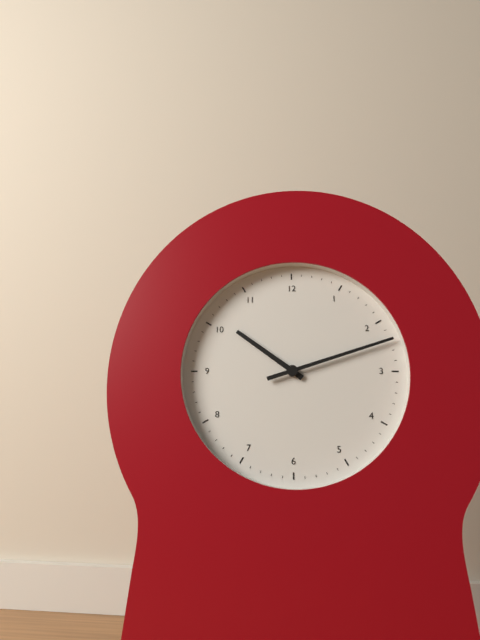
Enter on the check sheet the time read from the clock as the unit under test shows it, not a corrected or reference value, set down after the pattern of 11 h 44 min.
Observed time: 10 h 12 min
